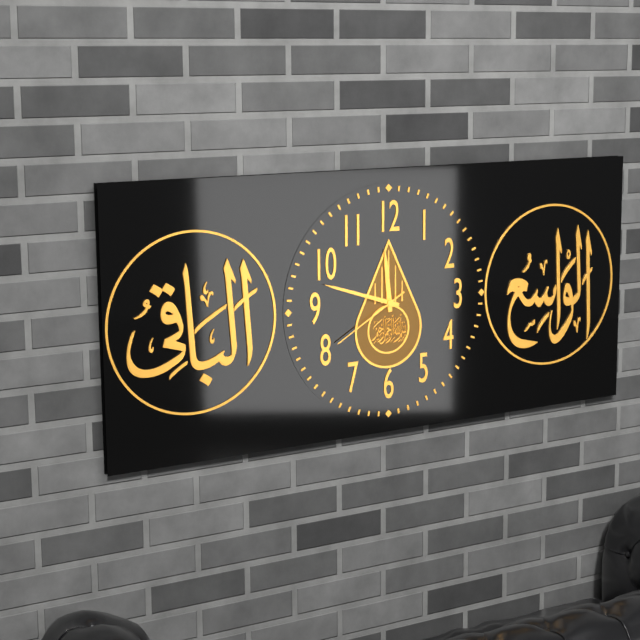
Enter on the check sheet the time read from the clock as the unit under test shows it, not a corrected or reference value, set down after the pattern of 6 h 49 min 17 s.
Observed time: 11 h 48 min 40 s
